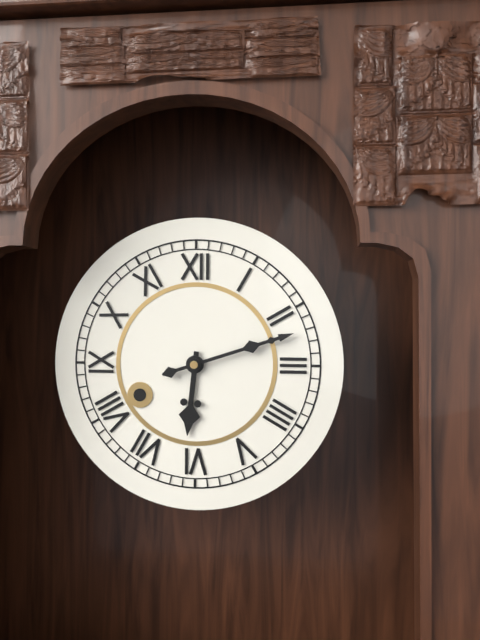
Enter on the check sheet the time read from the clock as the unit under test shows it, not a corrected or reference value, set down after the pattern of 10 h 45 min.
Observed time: 6 h 12 min
